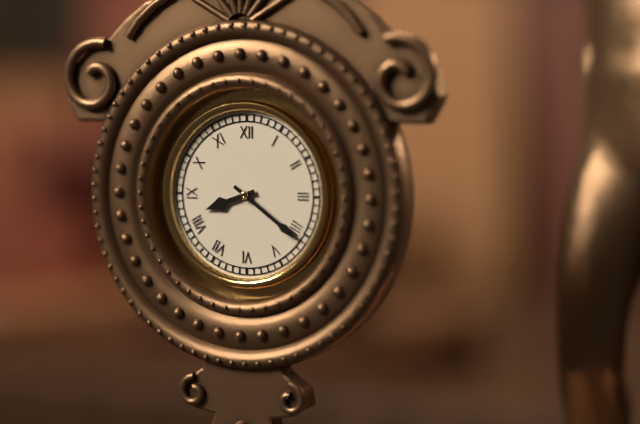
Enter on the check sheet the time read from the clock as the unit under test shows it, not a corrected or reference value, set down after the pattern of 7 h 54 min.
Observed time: 8 h 21 min
